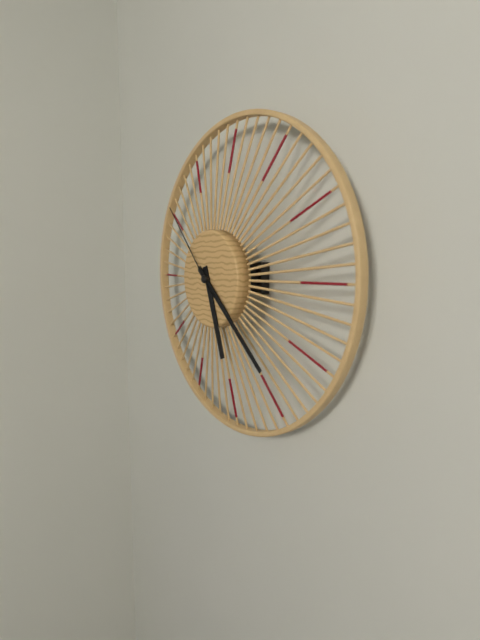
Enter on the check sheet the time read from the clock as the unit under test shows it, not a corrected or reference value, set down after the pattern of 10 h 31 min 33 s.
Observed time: 5 h 22 min 53 s
